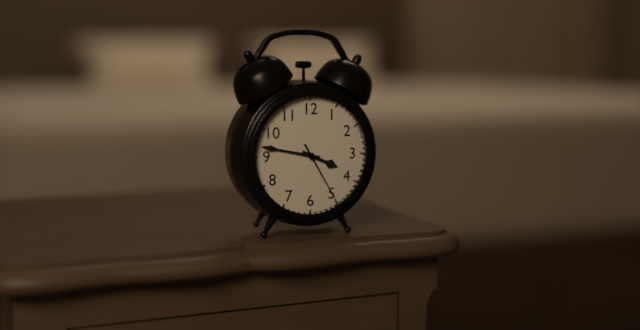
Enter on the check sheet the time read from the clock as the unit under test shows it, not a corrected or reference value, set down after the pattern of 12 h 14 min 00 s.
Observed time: 3 h 47 min 25 s
